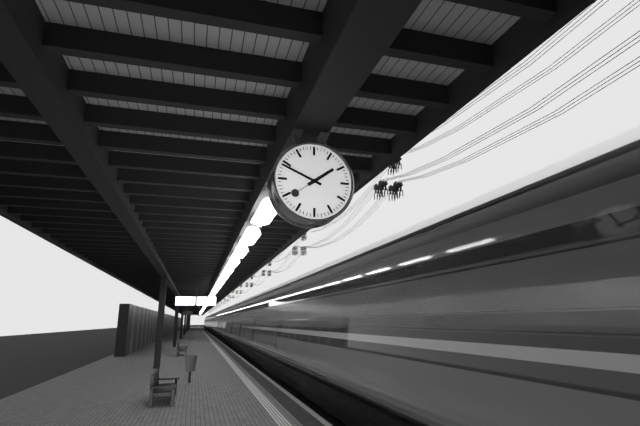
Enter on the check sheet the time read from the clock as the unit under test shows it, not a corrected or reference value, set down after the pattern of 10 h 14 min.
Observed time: 1 h 49 min
